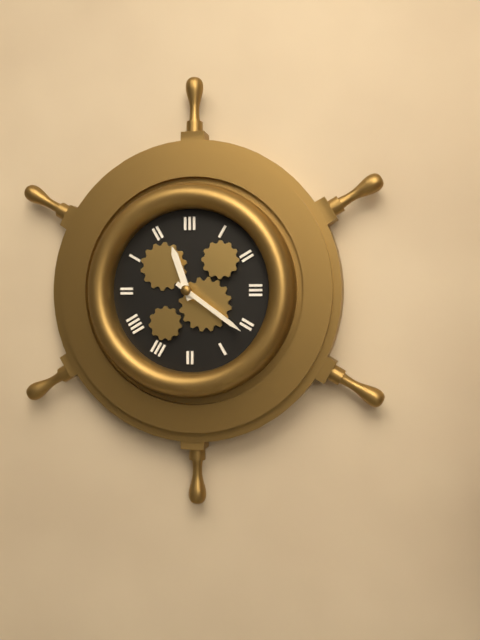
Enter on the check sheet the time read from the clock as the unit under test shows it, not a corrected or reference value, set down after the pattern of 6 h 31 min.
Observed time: 11 h 21 min
